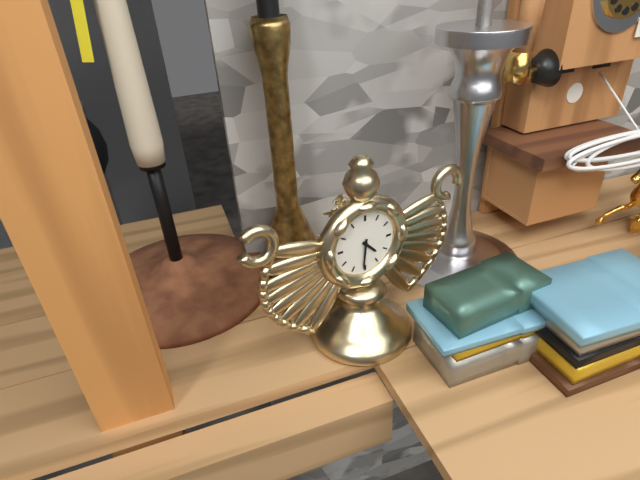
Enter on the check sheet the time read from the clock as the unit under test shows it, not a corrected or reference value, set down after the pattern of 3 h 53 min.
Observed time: 4 h 31 min
